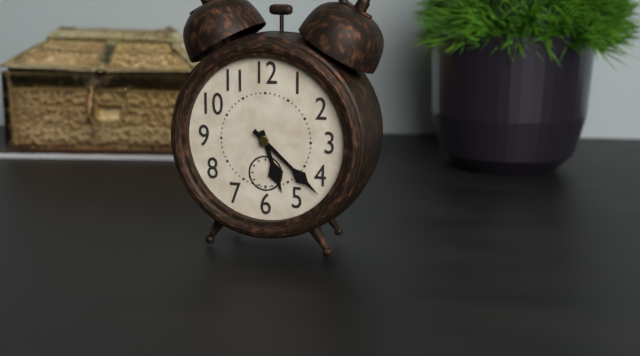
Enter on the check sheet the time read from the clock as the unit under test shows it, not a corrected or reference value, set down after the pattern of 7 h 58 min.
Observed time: 5 h 22 min
